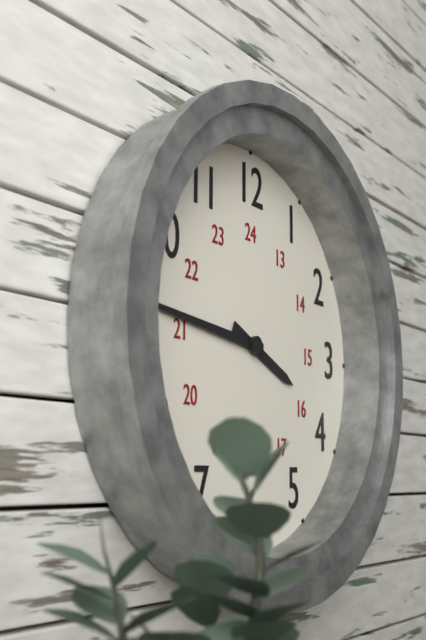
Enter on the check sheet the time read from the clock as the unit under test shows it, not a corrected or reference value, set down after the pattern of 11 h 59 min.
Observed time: 3 h 46 min
